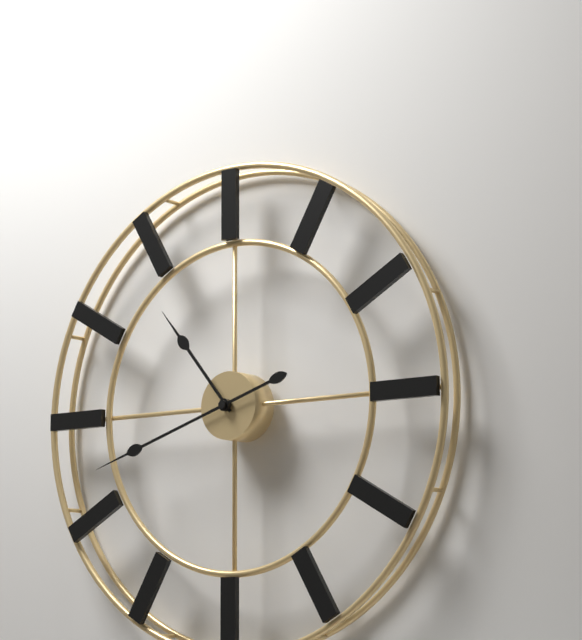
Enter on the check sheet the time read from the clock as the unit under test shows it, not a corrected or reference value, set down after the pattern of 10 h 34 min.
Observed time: 10 h 42 min
